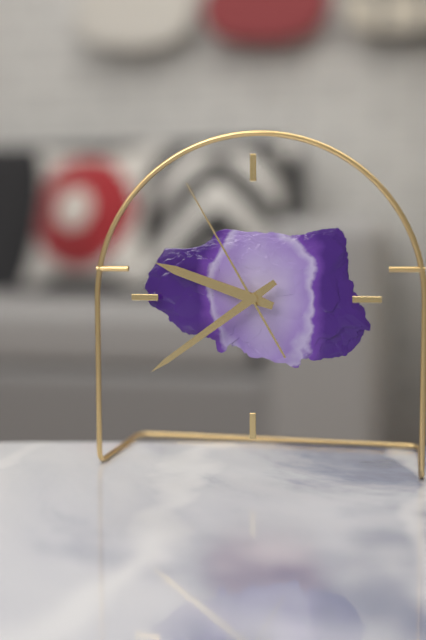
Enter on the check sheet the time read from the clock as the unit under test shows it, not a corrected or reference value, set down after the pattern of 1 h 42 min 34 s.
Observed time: 9 h 39 min 55 s
